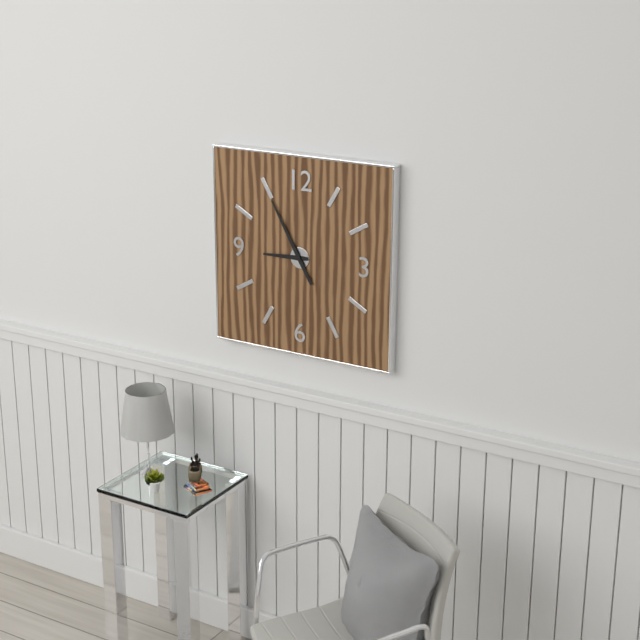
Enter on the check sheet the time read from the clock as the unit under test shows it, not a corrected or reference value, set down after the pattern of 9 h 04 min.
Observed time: 8 h 55 min
